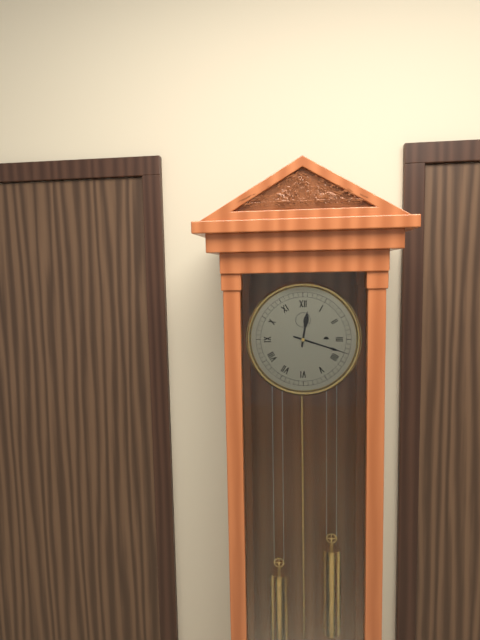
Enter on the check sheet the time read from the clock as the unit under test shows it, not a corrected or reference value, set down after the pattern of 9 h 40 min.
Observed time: 12 h 18 min
